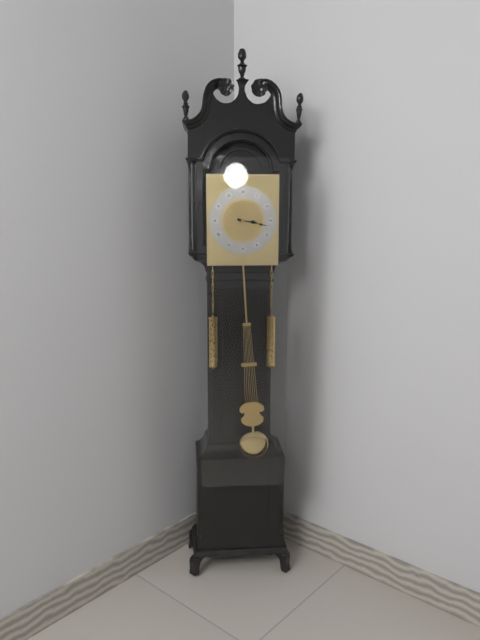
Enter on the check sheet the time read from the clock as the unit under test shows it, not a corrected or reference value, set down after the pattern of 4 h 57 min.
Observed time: 3 h 17 min
